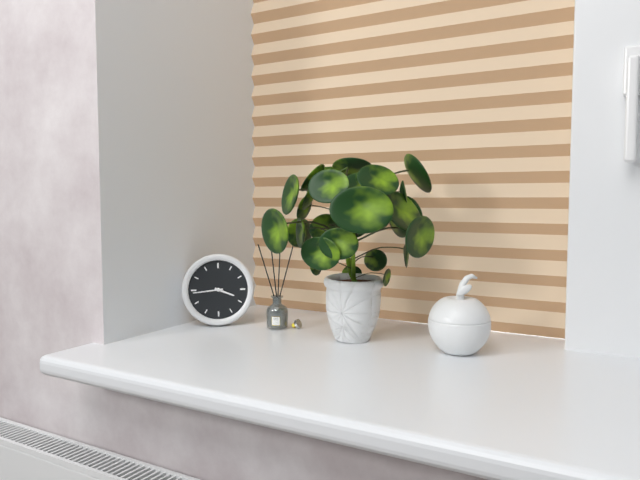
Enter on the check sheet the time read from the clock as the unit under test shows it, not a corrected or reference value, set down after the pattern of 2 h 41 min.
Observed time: 3 h 44 min
